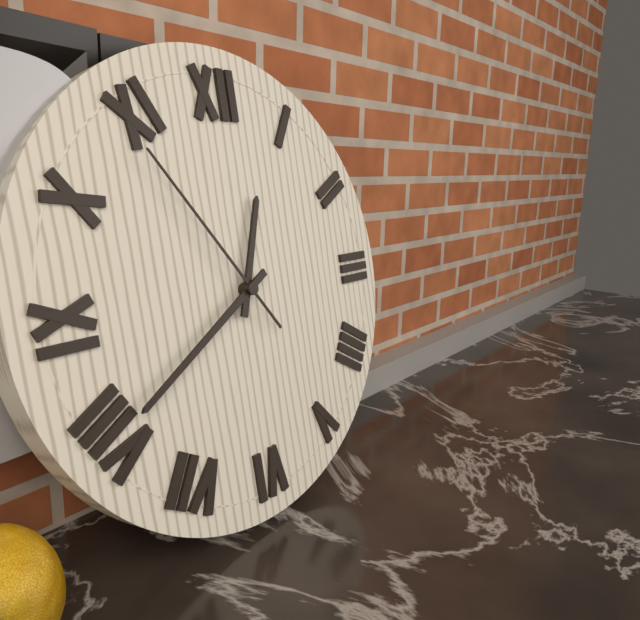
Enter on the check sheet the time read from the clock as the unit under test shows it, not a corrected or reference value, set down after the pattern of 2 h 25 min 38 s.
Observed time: 12 h 40 min 54 s
